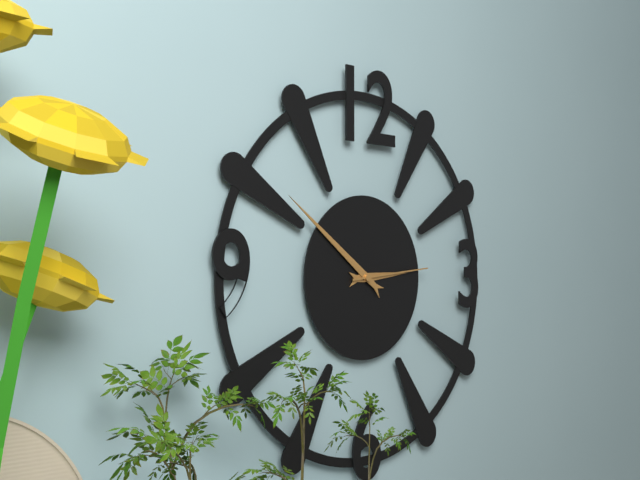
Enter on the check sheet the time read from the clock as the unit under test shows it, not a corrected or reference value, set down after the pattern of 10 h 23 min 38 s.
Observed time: 2 h 51 min 14 s
